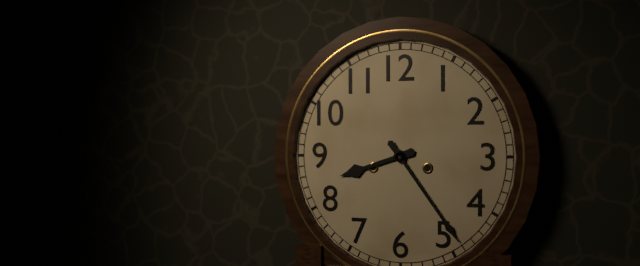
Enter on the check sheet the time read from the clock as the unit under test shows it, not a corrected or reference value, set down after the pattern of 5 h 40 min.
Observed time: 8 h 24 min
